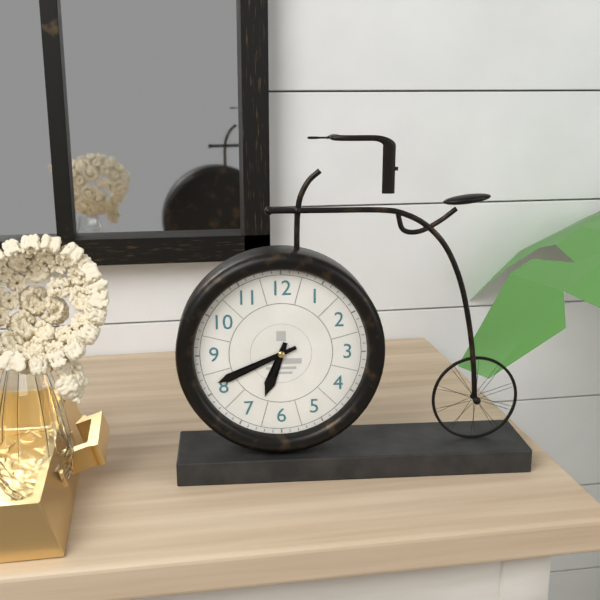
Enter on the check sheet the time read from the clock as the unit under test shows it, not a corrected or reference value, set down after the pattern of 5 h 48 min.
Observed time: 6 h 41 min
